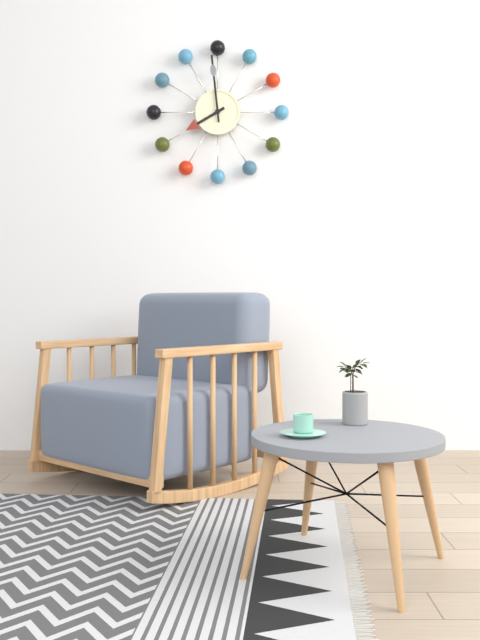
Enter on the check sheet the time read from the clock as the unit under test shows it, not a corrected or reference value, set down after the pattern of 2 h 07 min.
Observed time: 7 h 59 min
